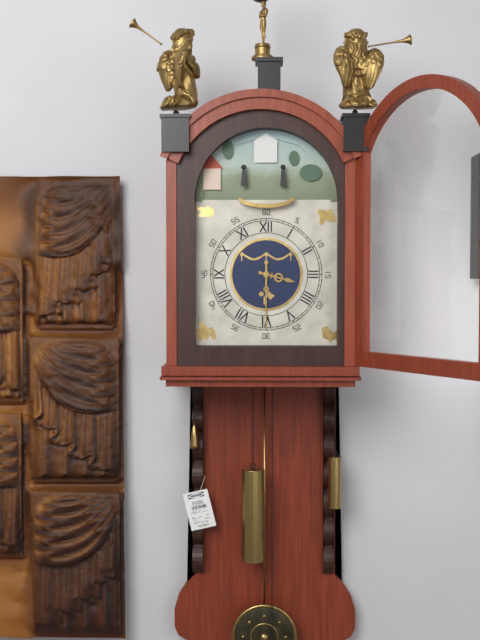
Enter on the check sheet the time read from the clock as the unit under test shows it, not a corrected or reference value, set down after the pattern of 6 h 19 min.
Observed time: 3 h 30 min
